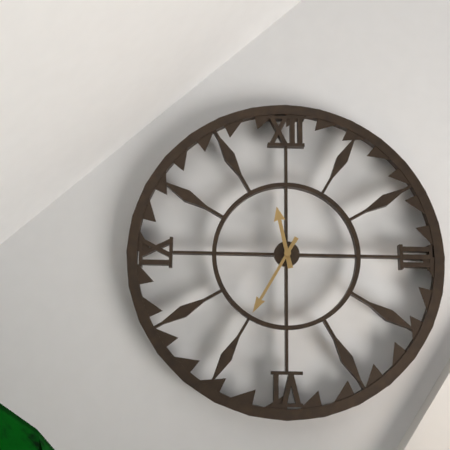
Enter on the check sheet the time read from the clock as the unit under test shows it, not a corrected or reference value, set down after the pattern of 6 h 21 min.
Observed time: 11 h 35 min
